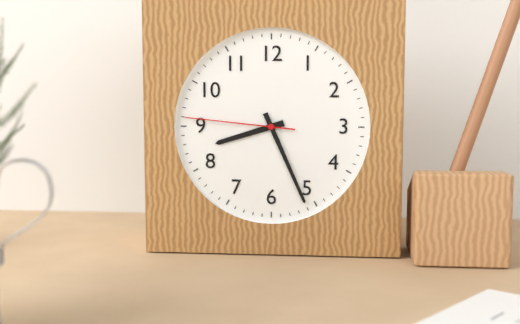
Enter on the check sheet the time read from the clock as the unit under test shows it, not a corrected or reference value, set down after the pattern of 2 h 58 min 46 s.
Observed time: 8 h 26 min 46 s
